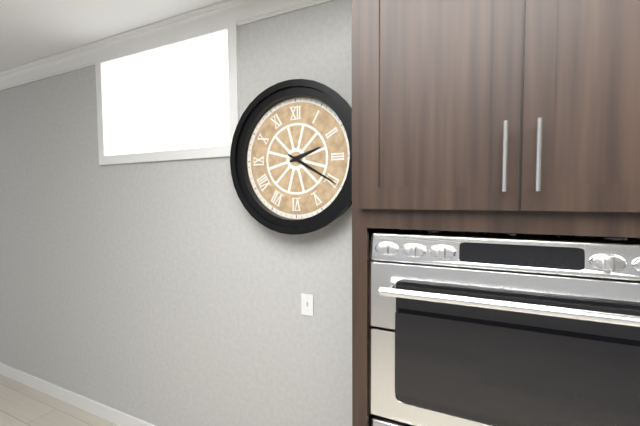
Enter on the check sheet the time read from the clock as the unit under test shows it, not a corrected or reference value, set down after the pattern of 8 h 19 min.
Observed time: 2 h 20 min
